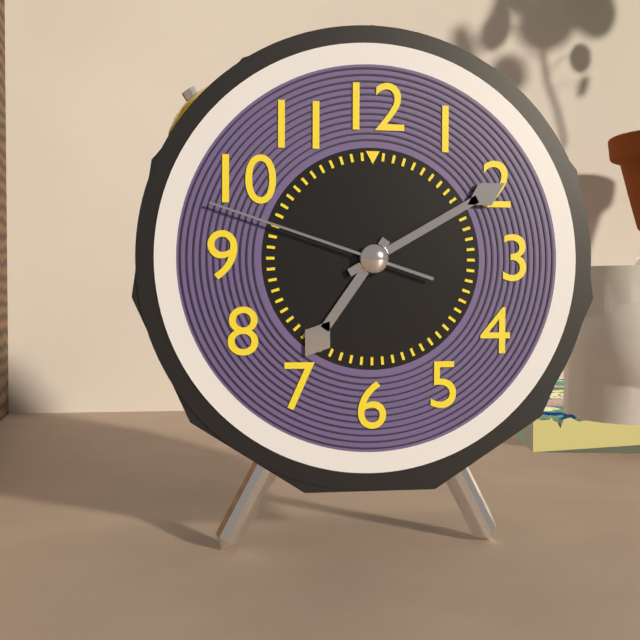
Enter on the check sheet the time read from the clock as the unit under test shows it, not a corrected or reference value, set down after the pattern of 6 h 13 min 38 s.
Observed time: 7 h 10 min 48 s
